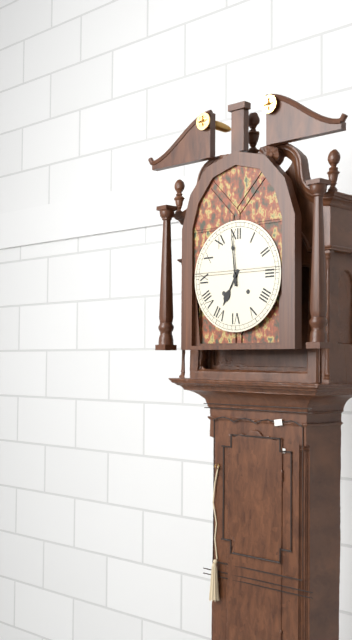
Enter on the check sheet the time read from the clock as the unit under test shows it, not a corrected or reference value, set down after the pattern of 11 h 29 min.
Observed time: 6 h 59 min
